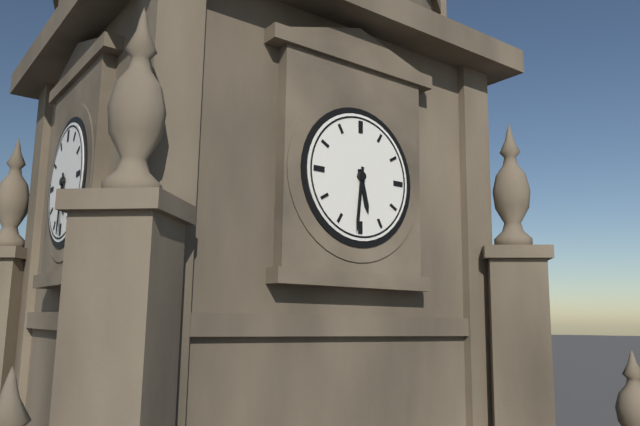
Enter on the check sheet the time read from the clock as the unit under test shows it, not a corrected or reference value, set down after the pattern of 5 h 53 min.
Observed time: 5 h 31 min
